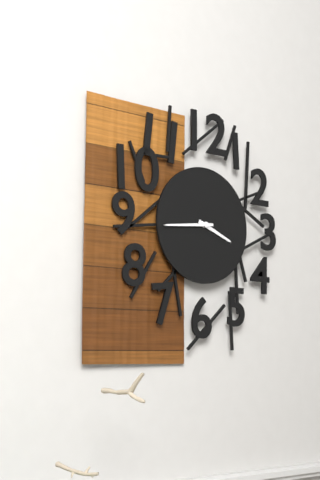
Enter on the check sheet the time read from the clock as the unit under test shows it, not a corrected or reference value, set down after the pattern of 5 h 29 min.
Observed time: 3 h 44 min
